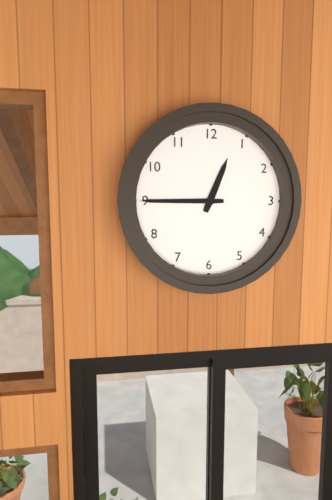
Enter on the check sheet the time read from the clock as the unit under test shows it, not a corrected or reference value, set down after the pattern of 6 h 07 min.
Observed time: 12 h 45 min
